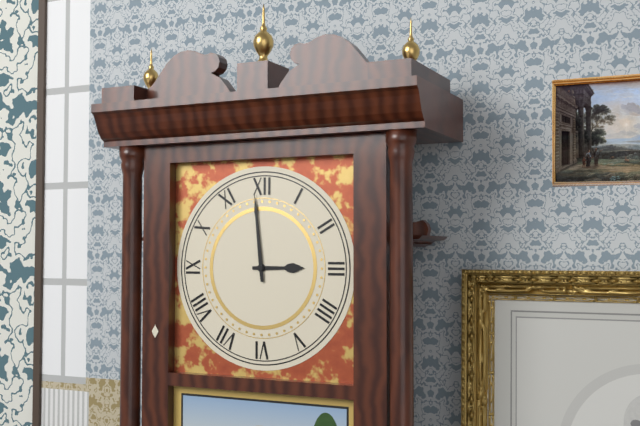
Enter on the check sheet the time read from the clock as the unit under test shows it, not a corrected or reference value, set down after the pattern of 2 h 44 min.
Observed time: 2 h 59 min
